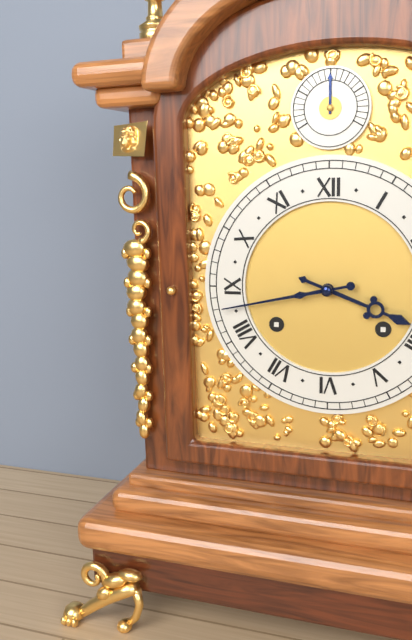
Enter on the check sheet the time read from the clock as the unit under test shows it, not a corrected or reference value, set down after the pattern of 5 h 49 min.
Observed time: 3 h 43 min
